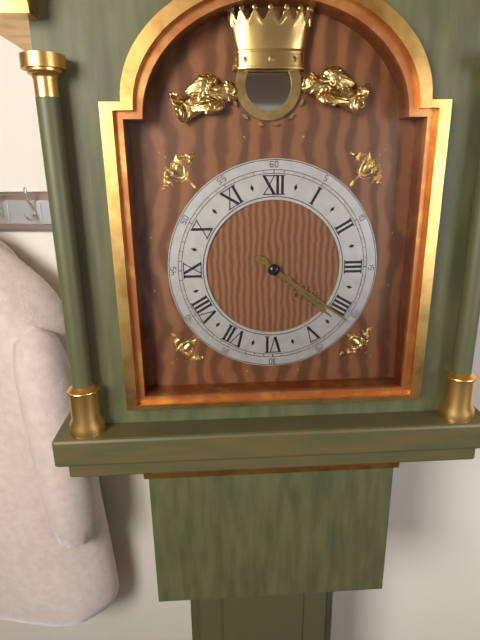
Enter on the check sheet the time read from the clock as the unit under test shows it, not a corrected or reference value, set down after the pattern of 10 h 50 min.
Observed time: 4 h 21 min
